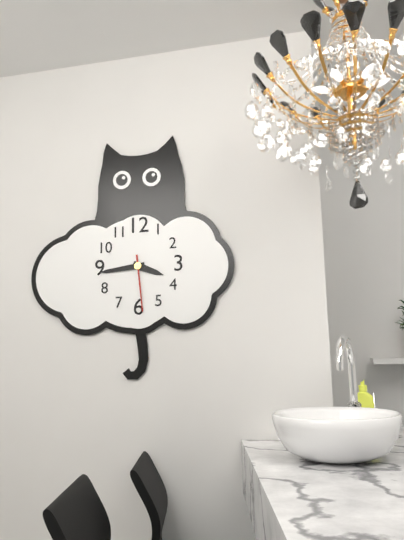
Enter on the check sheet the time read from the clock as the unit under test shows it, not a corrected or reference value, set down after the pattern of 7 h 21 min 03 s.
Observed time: 3 h 44 min 29 s
